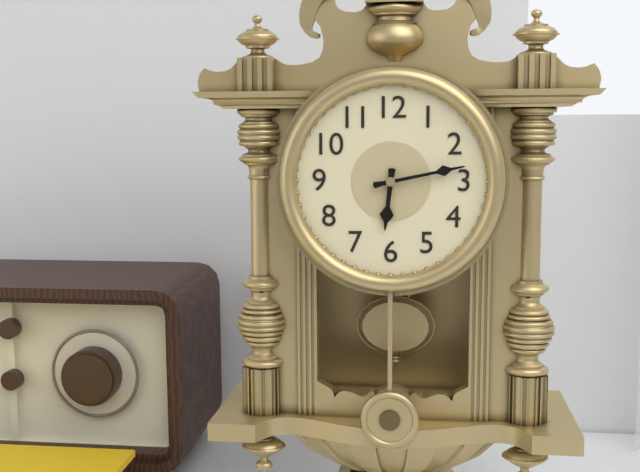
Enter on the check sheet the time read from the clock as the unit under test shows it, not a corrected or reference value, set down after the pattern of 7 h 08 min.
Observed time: 6 h 13 min
